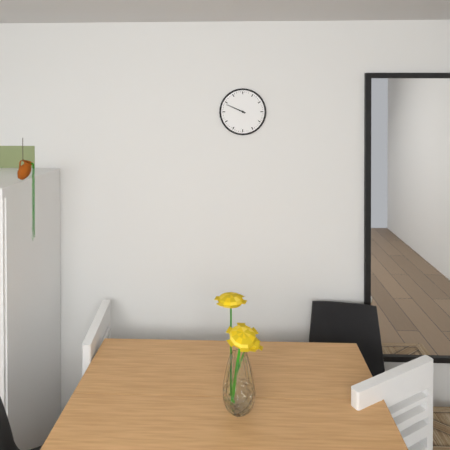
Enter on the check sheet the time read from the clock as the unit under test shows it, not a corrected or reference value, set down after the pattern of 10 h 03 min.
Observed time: 9 h 49 min
